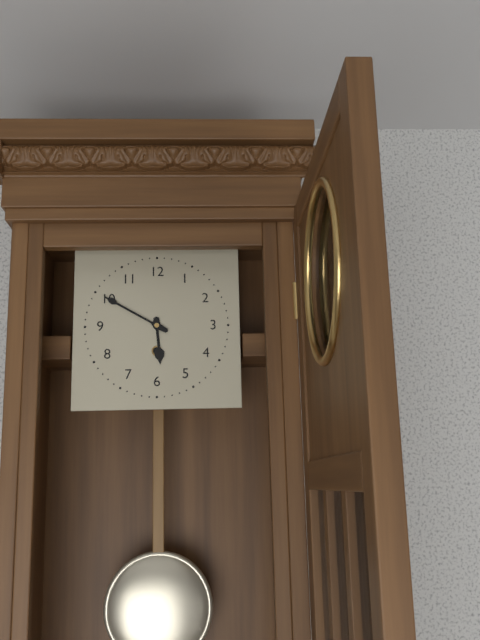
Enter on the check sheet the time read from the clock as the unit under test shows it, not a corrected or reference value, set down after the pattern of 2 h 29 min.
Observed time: 5 h 50 min
